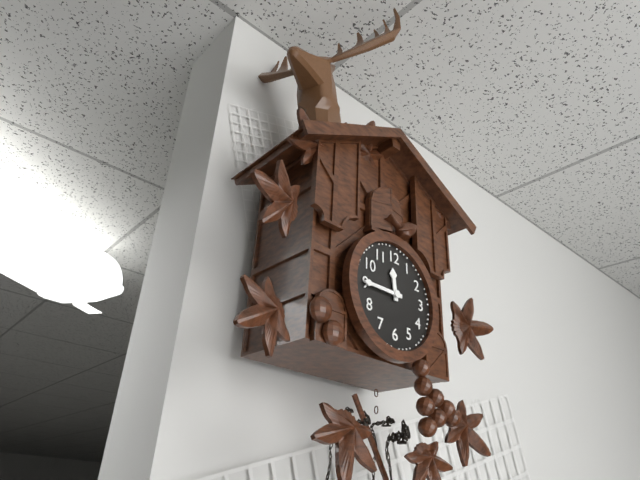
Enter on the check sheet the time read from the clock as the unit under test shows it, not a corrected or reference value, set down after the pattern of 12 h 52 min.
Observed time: 11 h 45 min
